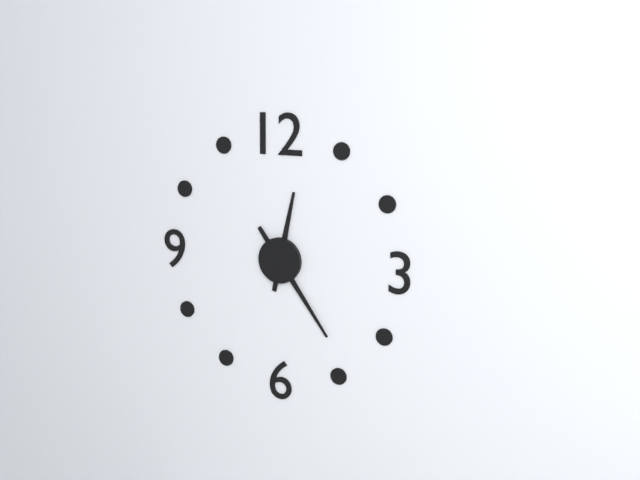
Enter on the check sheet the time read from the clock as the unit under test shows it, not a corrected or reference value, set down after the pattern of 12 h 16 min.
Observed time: 12 h 24 min
